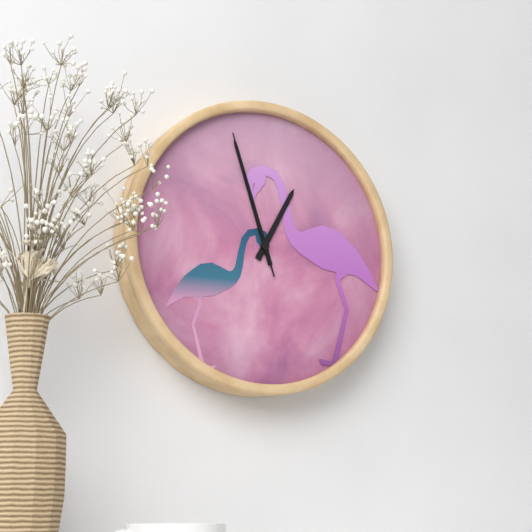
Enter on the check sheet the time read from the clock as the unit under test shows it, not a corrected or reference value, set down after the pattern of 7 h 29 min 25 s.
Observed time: 12 h 57 min 57 s
